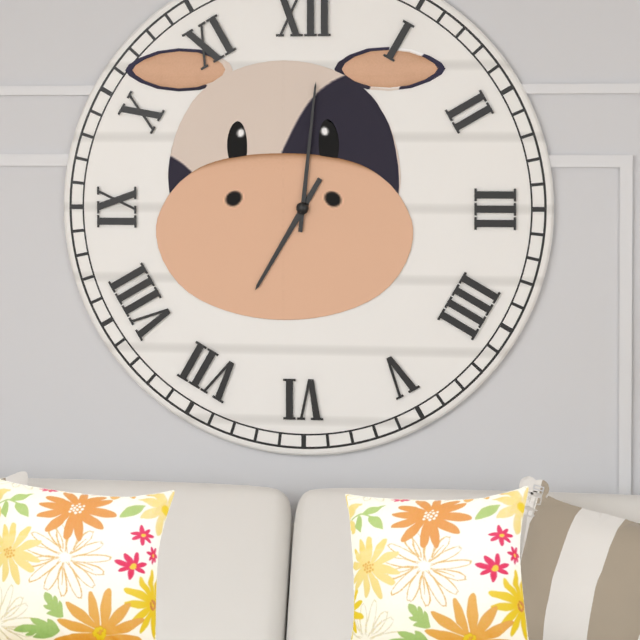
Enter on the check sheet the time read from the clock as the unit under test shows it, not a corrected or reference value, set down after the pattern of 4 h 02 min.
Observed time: 7 h 01 min
